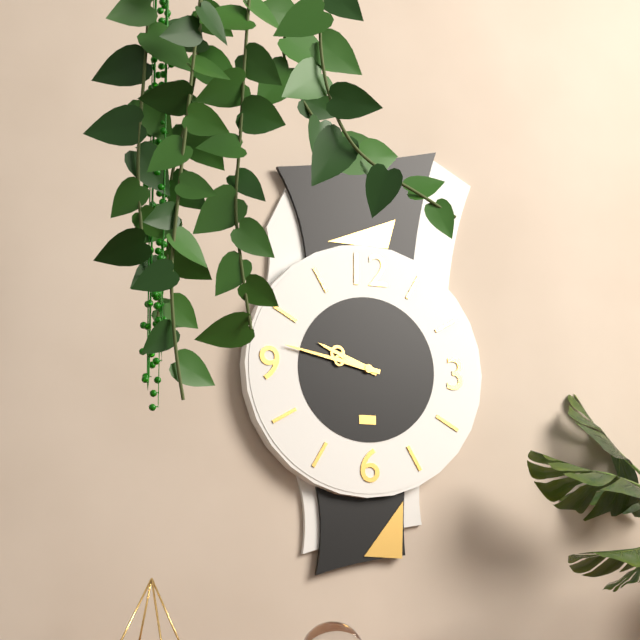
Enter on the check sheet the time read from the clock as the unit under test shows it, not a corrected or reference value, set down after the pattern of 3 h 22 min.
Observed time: 9 h 47 min
